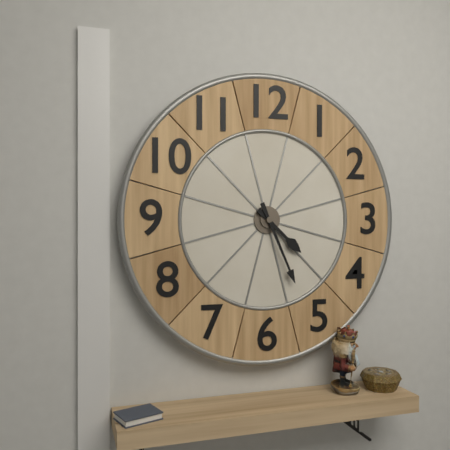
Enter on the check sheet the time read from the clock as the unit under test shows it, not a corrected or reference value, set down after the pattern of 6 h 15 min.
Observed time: 4 h 26 min
